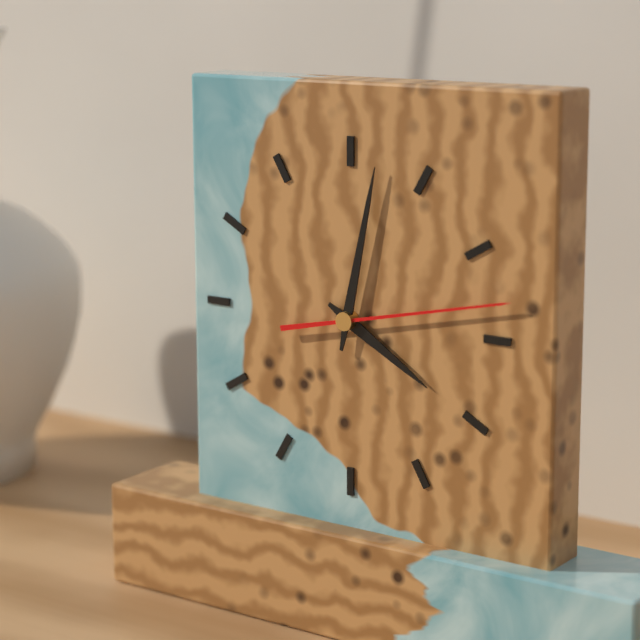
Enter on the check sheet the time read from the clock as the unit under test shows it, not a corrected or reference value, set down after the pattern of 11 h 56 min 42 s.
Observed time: 4 h 02 min 13 s
